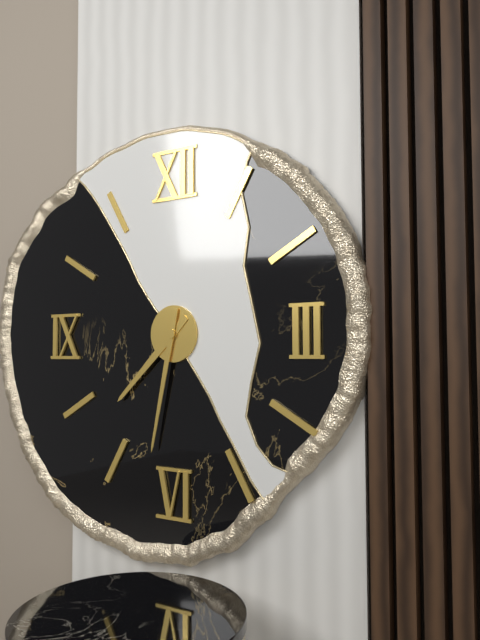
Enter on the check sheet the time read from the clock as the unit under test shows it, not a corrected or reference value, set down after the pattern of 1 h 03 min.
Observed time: 7 h 32 min
